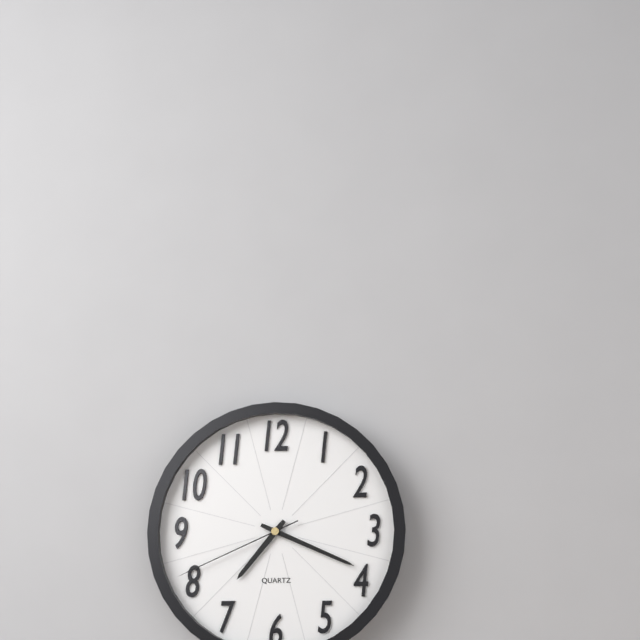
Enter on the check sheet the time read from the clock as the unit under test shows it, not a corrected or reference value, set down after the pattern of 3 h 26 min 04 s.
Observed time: 7 h 19 min 41 s
